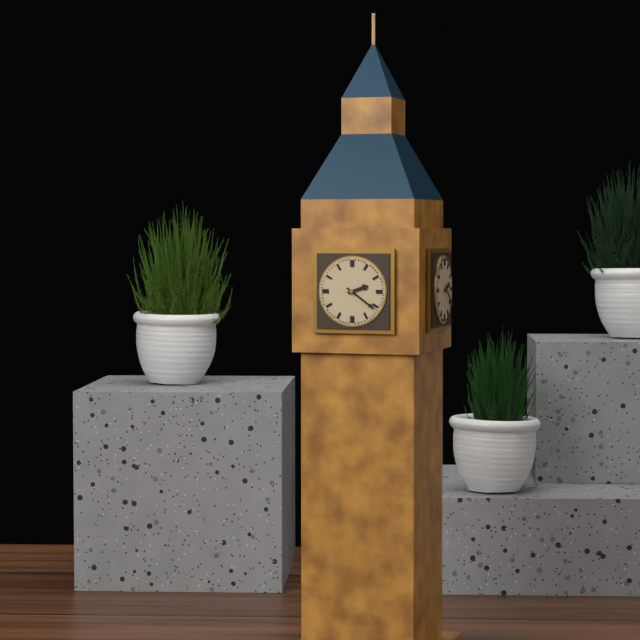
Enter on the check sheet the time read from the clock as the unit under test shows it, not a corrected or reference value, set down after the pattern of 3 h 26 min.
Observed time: 2 h 21 min
